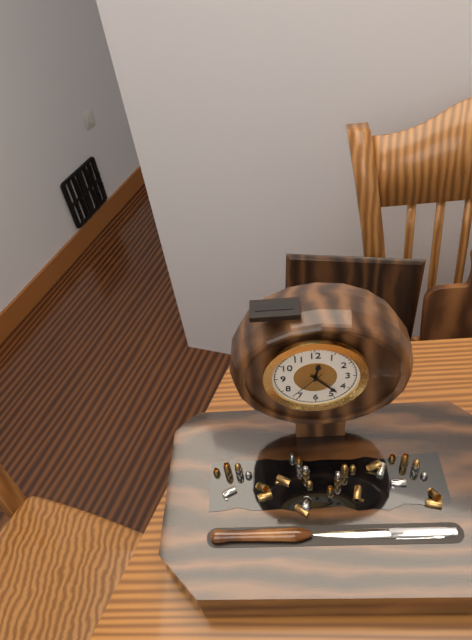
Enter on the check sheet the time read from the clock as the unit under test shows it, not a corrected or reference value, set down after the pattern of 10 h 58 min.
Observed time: 12 h 23 min
